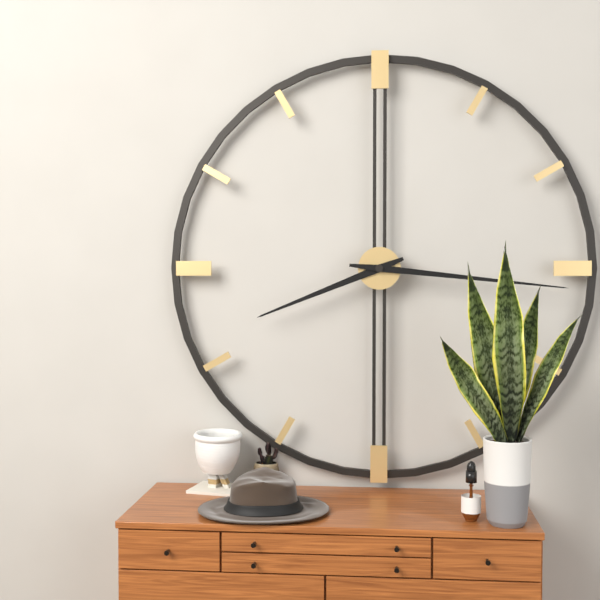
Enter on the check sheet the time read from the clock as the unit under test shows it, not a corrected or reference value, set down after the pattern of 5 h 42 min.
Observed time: 8 h 16 min
